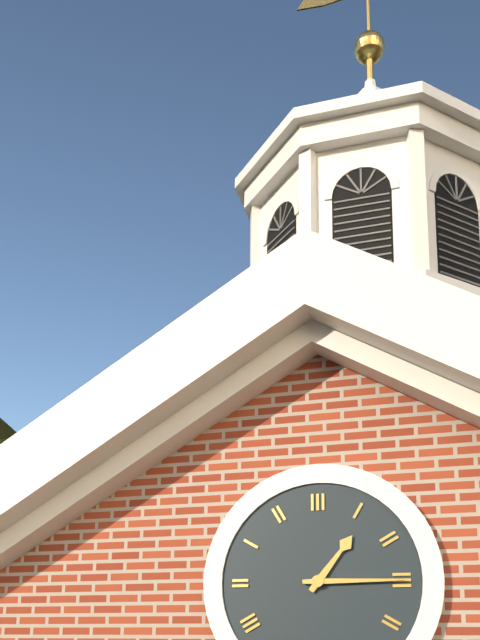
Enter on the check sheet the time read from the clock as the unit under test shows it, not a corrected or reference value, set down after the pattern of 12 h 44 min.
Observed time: 1 h 15 min
